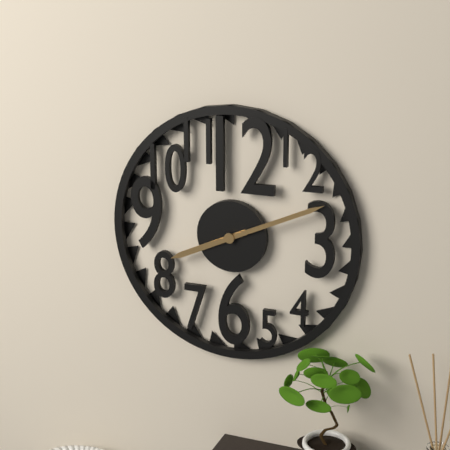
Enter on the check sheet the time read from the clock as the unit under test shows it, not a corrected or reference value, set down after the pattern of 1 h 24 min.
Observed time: 8 h 11 min
